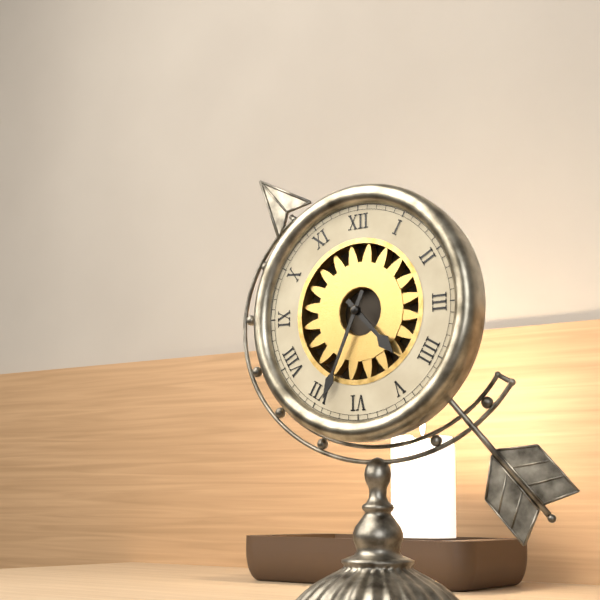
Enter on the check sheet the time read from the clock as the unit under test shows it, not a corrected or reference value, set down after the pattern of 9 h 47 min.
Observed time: 4 h 34 min
